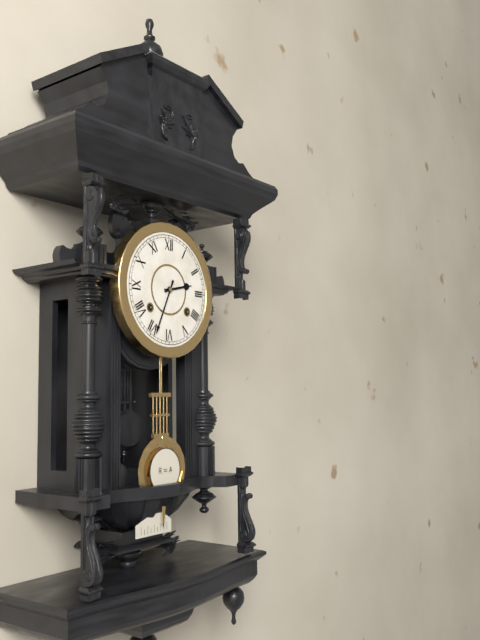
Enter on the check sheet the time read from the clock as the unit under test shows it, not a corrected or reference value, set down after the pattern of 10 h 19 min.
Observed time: 2 h 34 min
